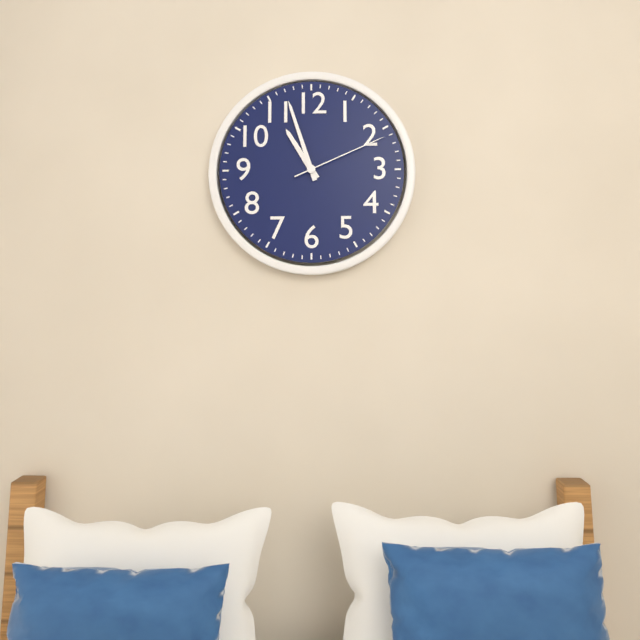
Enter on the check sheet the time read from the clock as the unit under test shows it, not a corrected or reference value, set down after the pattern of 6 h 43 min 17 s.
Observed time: 10 h 57 min 11 s
